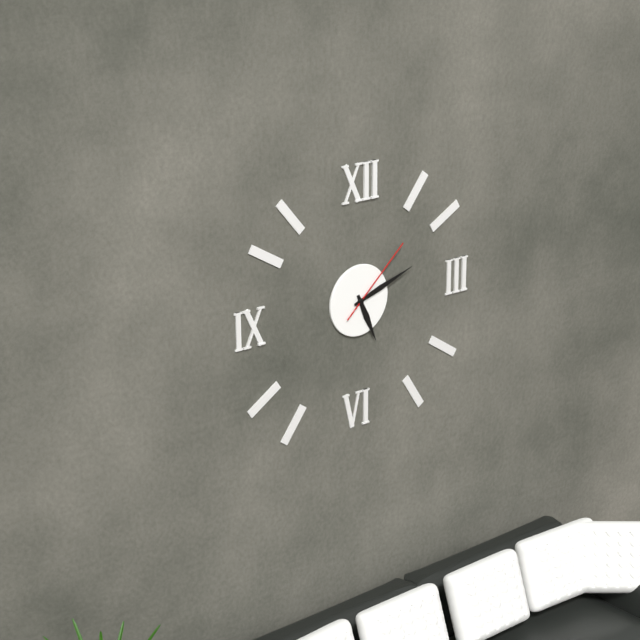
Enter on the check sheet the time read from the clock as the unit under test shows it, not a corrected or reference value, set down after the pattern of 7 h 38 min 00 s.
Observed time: 5 h 12 min 08 s
